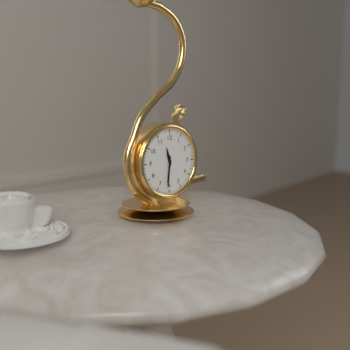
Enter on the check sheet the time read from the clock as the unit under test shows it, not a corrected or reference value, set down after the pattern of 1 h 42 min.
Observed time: 11 h 31 min
